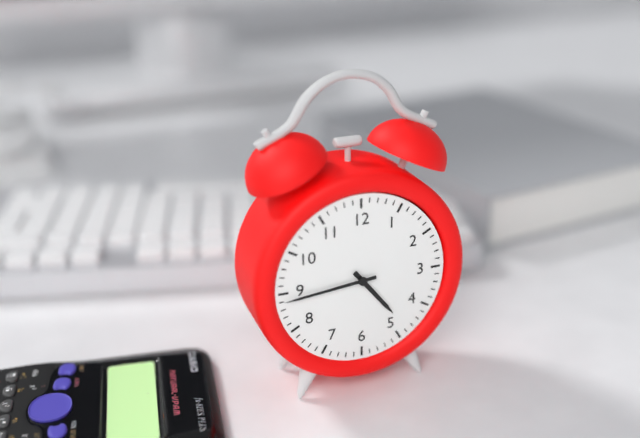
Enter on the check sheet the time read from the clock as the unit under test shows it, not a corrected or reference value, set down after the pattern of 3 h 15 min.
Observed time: 4 h 44 min
